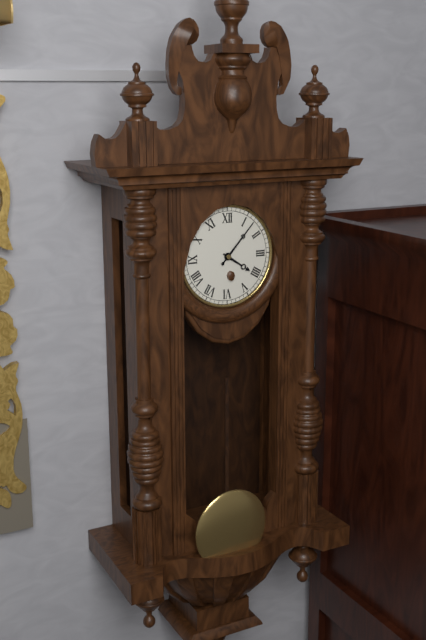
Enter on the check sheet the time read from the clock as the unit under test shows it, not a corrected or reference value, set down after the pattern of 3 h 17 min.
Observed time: 4 h 07 min
